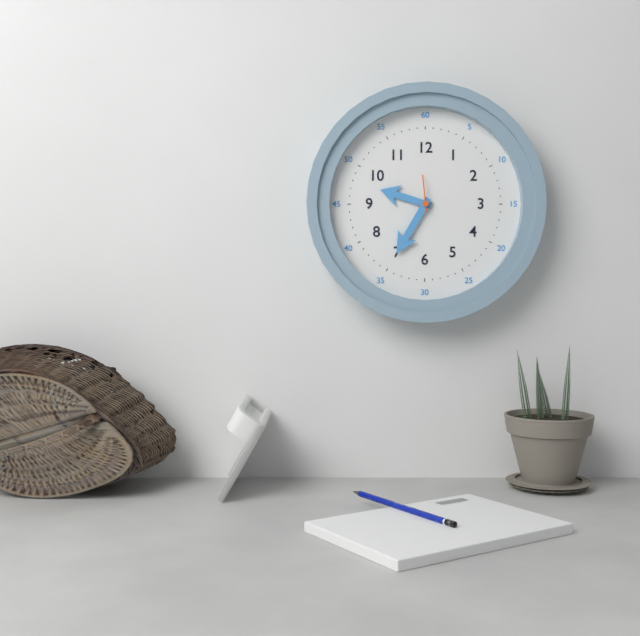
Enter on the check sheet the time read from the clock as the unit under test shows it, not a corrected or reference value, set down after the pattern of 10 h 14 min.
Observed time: 9 h 35 min
